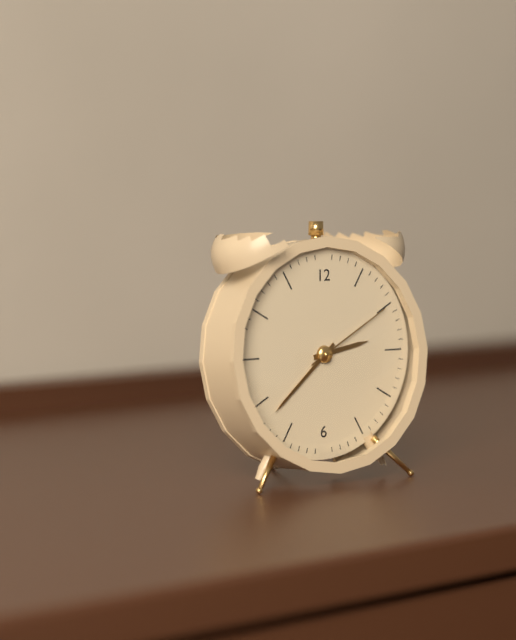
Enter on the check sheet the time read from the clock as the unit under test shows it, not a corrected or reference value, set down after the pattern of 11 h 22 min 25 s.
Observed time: 2 h 38 min 10 s
